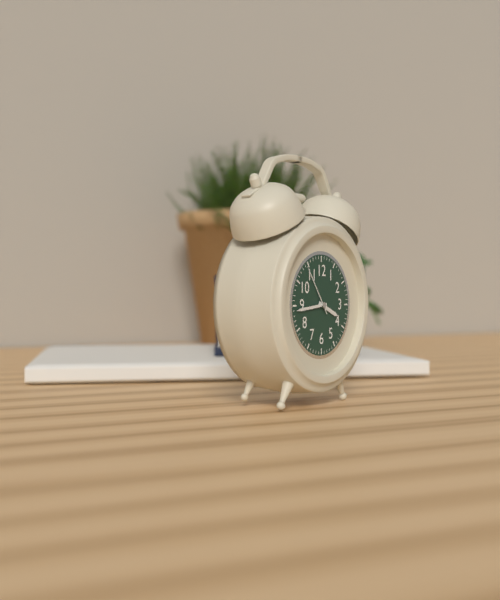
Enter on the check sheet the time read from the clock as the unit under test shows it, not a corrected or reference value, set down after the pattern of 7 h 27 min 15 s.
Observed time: 3 h 44 min 54 s
